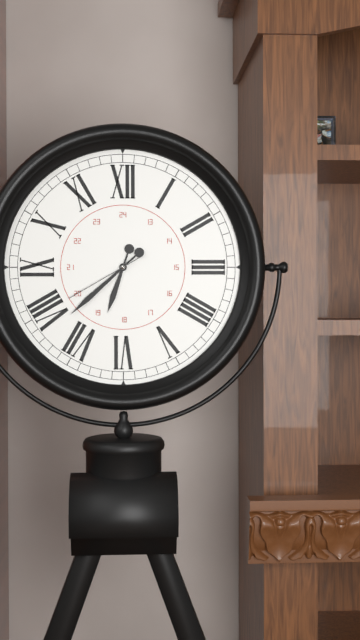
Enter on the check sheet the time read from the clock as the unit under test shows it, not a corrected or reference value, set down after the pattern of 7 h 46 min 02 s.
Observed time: 6 h 38 min 40 s
